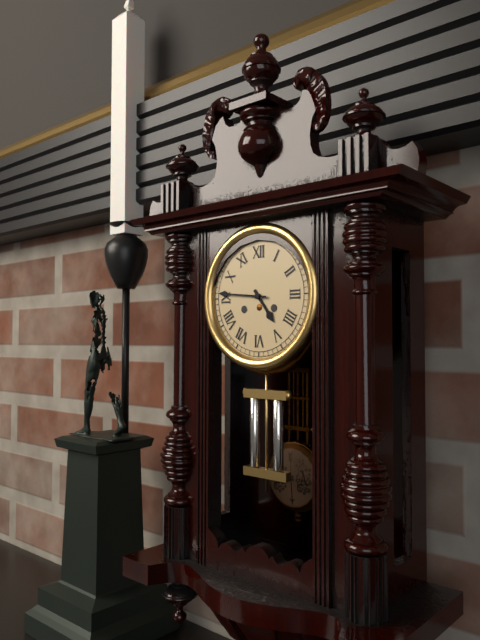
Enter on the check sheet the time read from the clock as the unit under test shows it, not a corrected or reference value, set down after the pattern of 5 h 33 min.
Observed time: 4 h 46 min
